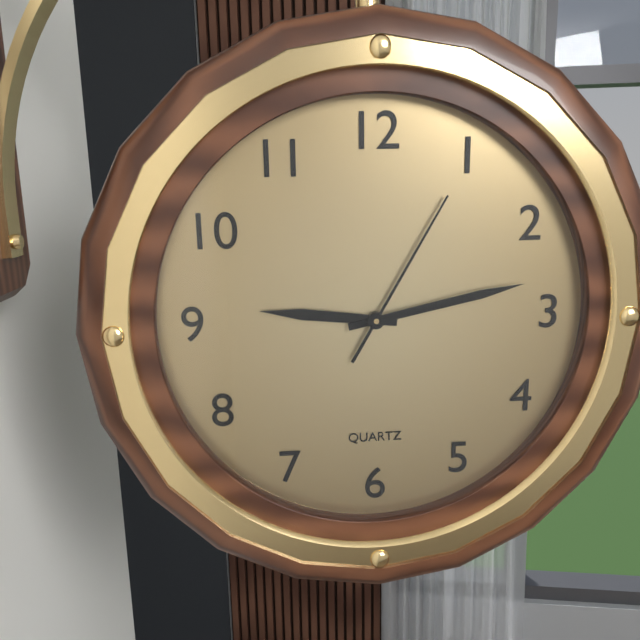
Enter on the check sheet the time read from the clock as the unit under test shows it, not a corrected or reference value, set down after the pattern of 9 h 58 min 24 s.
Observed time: 9 h 13 min 05 s
